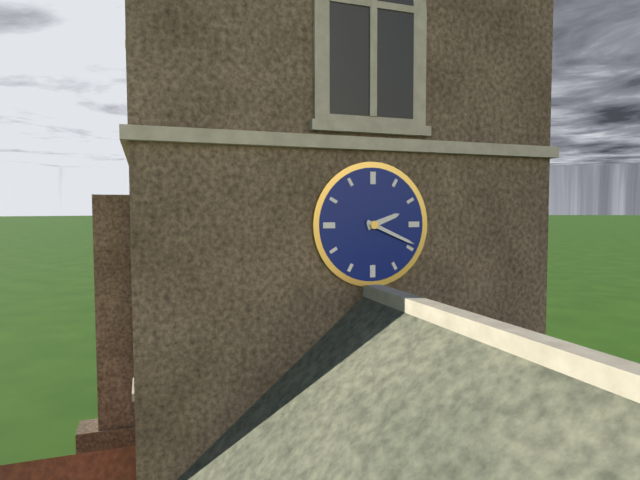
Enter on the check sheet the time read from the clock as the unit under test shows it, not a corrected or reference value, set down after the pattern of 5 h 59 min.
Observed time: 2 h 19 min
